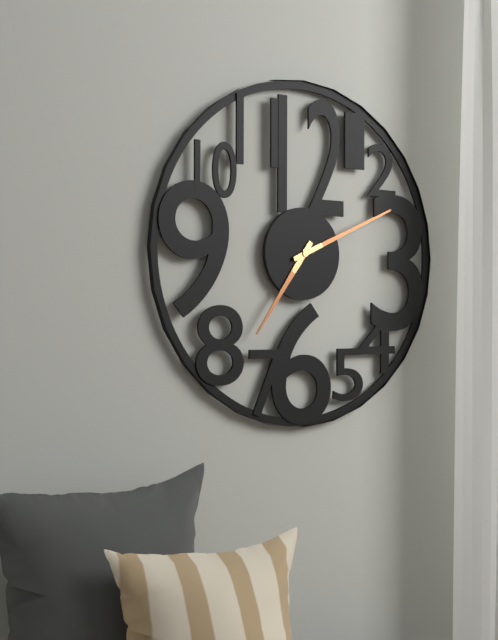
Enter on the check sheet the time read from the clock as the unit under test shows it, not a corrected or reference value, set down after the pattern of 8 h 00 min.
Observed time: 7 h 11 min
